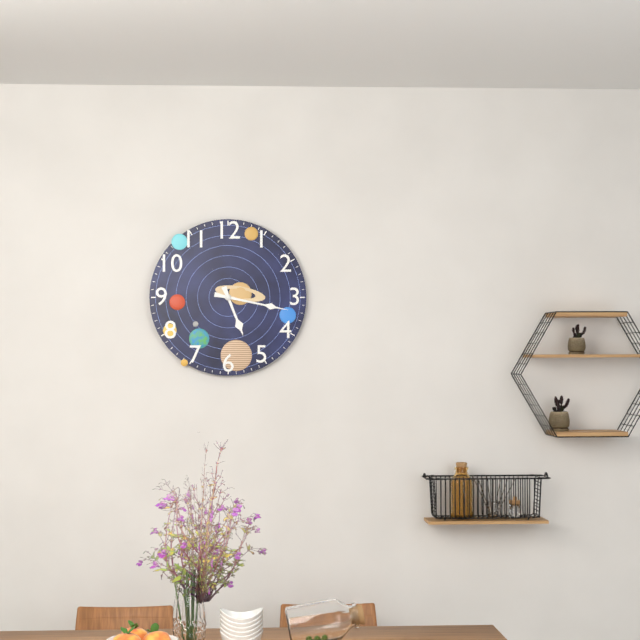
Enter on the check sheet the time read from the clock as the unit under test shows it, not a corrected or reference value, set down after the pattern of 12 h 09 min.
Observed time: 5 h 17 min
